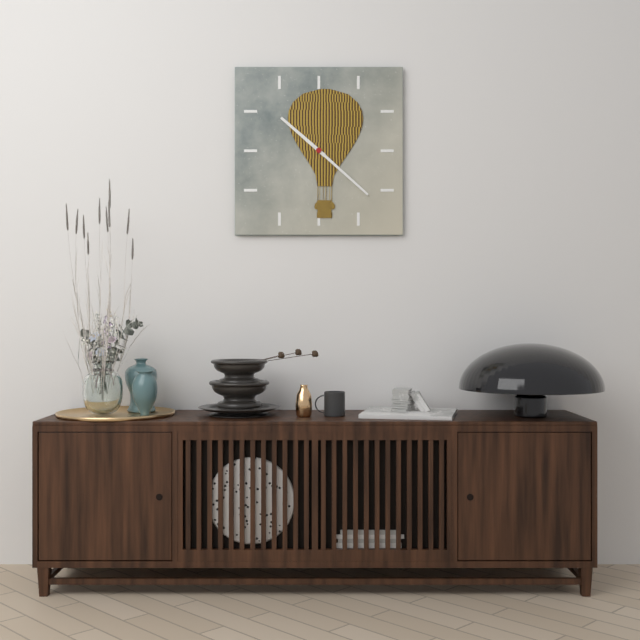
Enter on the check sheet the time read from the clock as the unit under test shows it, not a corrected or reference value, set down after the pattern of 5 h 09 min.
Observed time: 10 h 22 min
